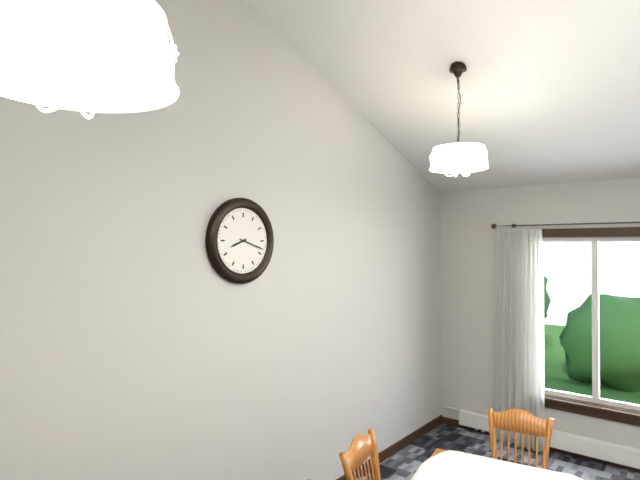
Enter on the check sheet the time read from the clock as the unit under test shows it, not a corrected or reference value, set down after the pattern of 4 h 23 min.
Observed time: 8 h 18 min
